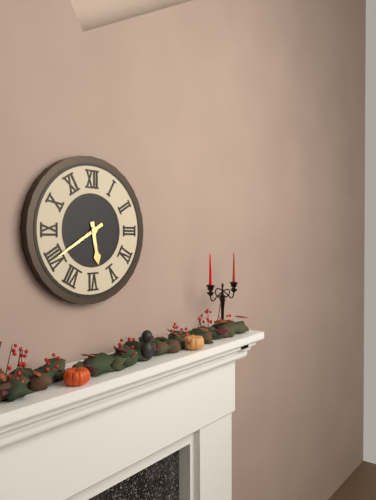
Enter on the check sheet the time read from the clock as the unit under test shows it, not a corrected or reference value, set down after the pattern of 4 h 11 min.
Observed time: 5 h 40 min
